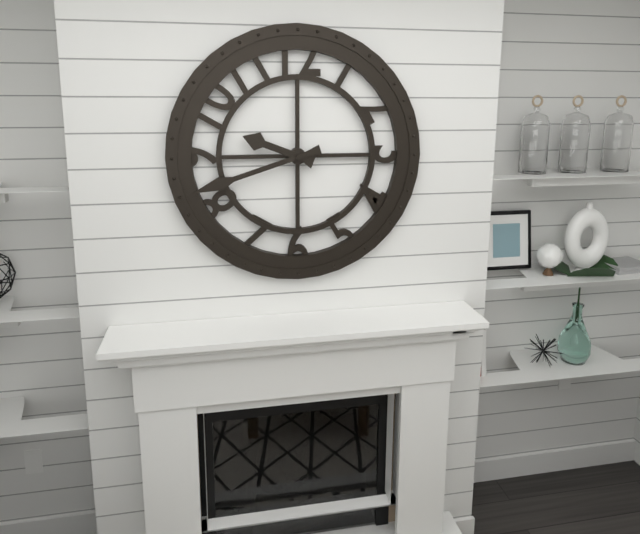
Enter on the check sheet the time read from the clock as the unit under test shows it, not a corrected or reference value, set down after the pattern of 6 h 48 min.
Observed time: 9 h 42 min
